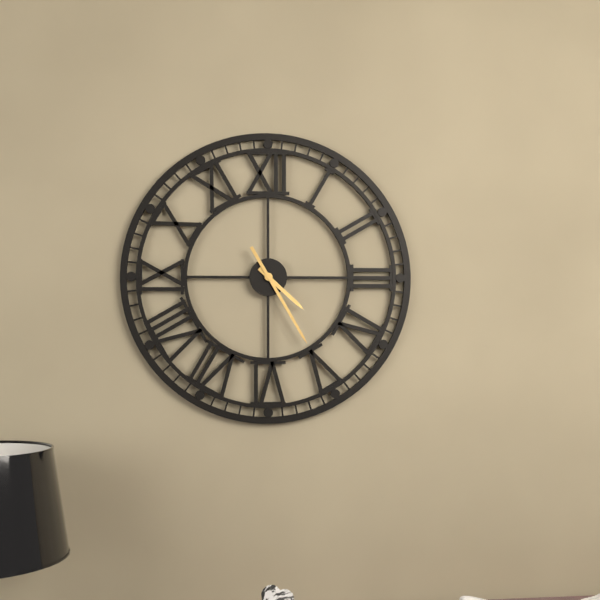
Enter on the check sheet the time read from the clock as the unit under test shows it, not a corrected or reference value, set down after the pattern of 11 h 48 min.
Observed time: 4 h 25 min
